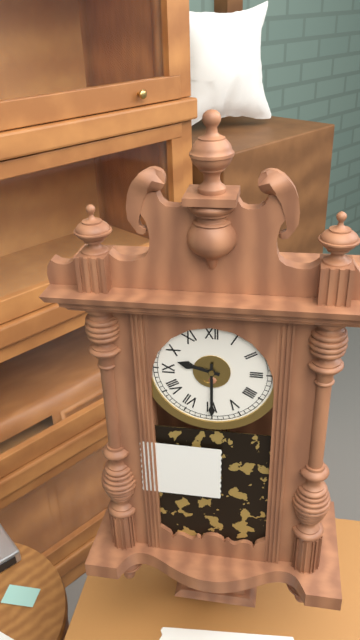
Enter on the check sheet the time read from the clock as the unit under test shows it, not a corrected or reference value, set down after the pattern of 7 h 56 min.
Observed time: 9 h 30 min
